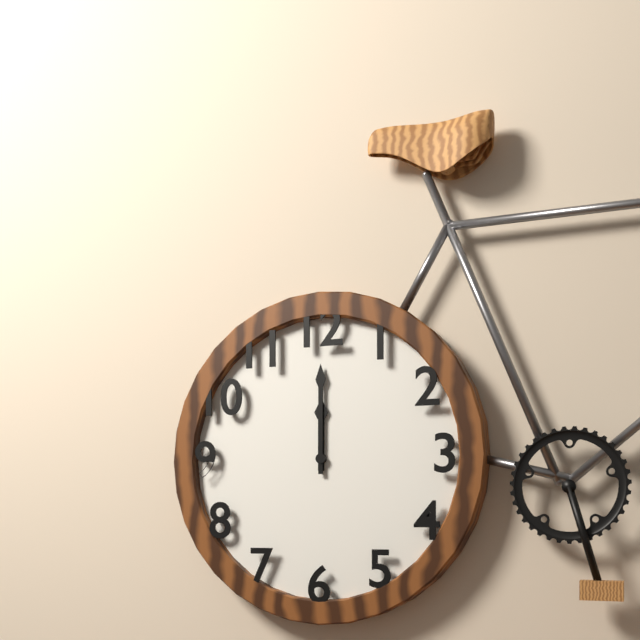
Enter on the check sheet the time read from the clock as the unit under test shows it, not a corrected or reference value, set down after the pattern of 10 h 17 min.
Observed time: 12 h 00 min
